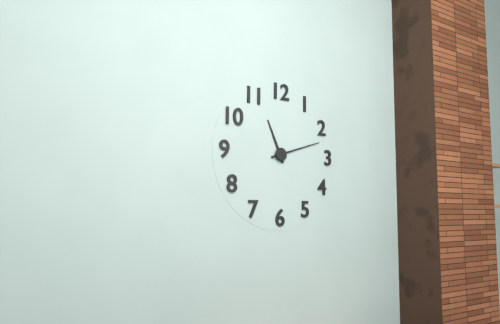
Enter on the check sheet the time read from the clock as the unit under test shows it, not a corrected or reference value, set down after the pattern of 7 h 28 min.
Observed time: 11 h 12 min
